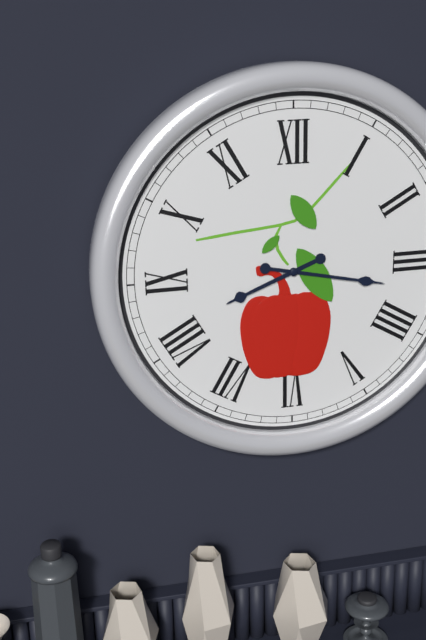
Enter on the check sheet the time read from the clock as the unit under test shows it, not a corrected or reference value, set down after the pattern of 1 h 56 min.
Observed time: 8 h 17 min
